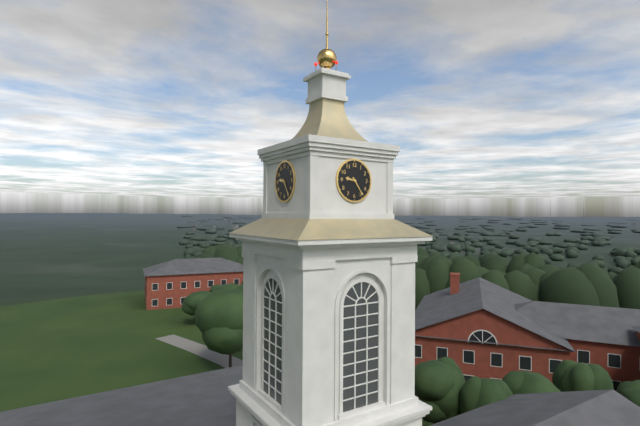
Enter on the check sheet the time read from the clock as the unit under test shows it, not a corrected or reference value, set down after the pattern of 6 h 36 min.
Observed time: 9 h 24 min
